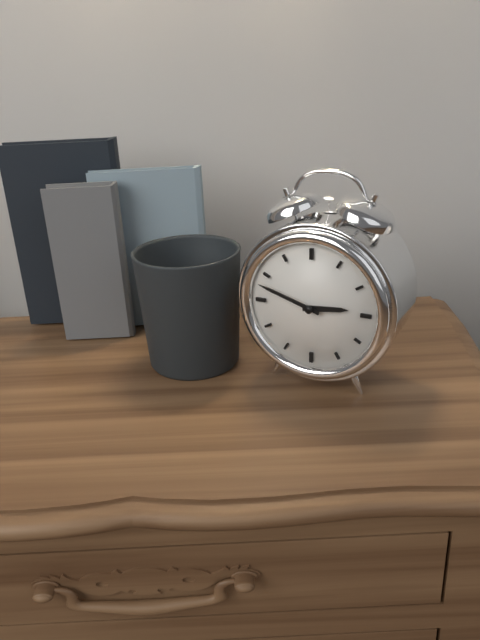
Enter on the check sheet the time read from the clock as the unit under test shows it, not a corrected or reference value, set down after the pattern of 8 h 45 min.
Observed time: 2 h 48 min
